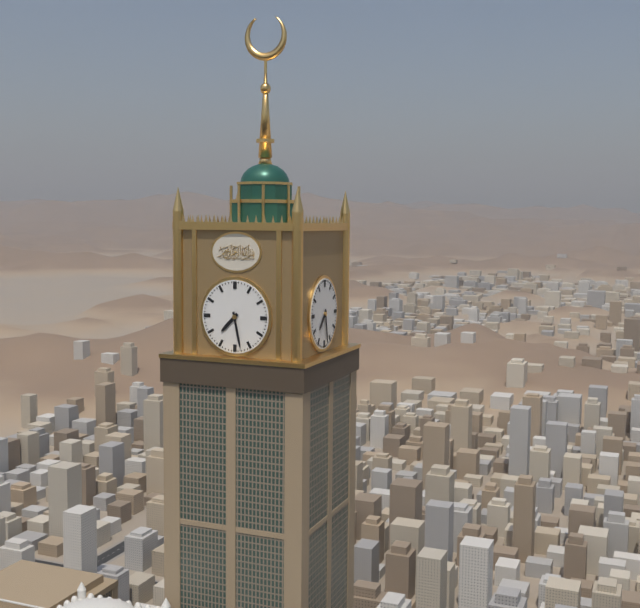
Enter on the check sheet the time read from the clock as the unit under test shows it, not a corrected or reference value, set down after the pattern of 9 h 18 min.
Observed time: 7 h 28 min
